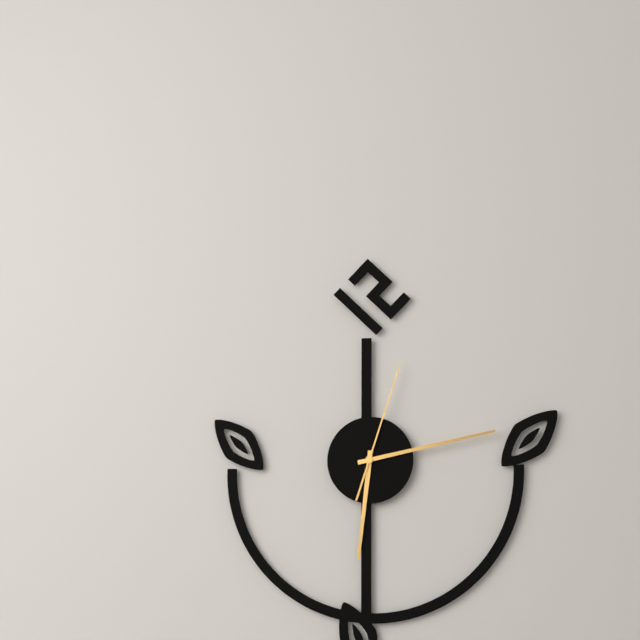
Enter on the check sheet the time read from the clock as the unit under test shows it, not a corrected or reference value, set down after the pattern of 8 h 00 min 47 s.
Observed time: 6 h 13 min 03 s
